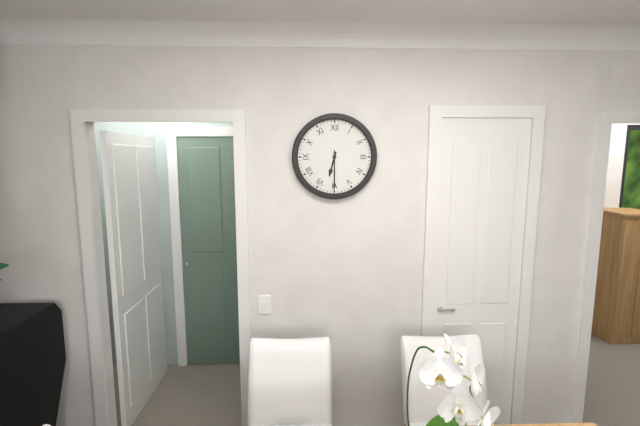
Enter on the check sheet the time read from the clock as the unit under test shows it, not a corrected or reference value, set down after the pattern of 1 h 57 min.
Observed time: 6 h 30 min
